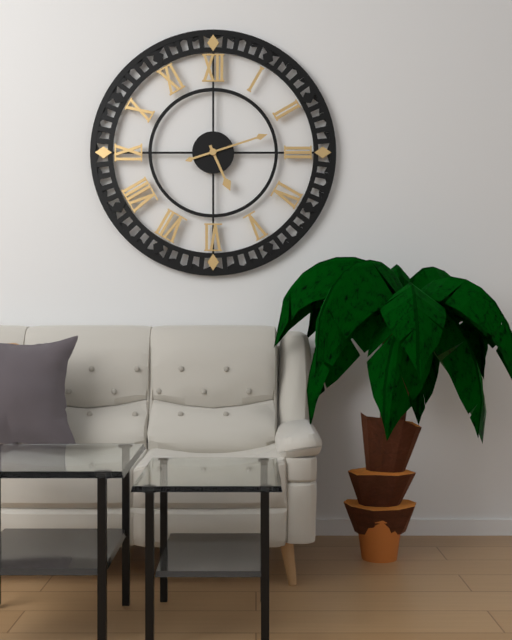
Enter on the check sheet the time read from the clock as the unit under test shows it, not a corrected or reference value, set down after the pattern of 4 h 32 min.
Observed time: 5 h 12 min
